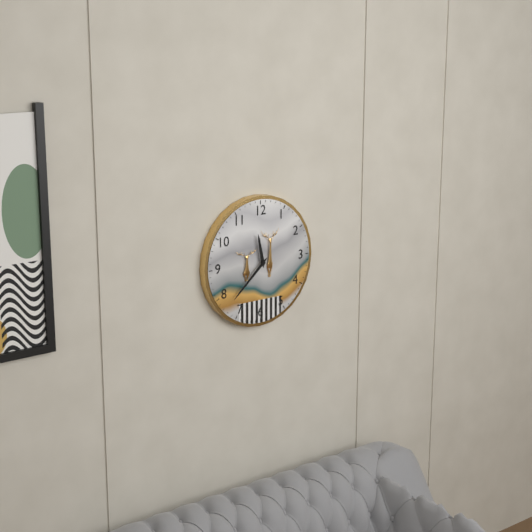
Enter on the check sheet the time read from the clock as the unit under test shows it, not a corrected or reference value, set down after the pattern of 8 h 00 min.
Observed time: 11 h 38 min
